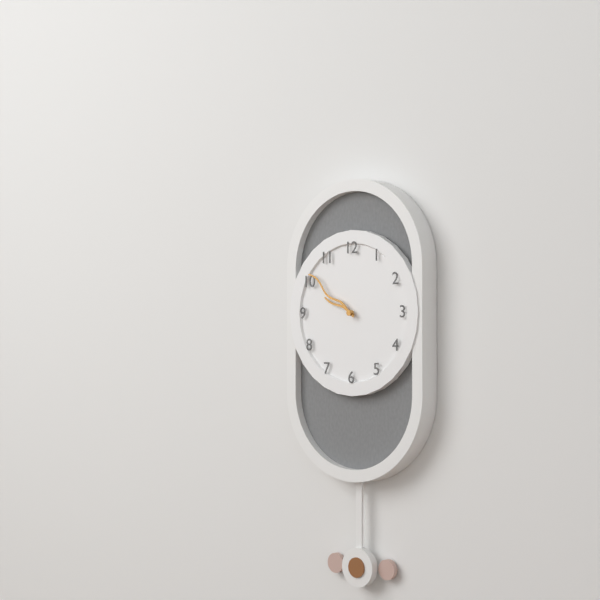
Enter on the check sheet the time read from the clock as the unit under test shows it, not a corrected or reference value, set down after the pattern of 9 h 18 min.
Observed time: 9 h 51 min
